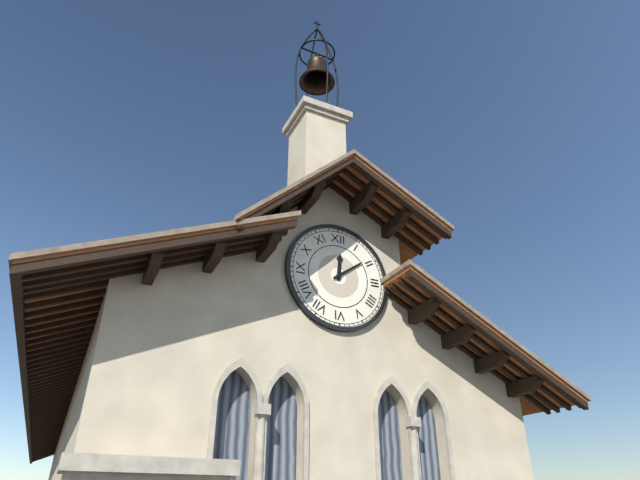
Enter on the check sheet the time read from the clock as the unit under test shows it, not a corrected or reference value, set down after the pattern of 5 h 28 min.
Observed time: 12 h 09 min
